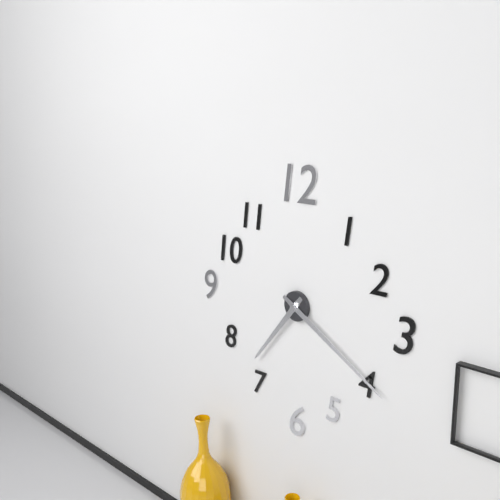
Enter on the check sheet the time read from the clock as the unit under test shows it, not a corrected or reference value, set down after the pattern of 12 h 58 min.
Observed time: 7 h 20 min
